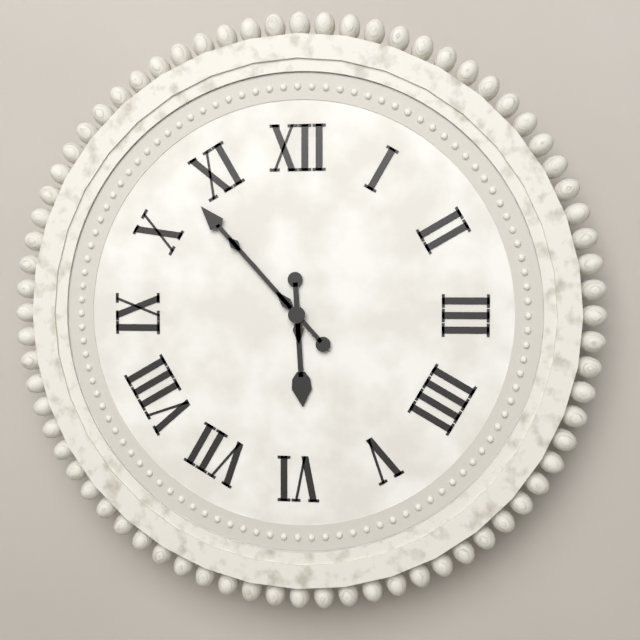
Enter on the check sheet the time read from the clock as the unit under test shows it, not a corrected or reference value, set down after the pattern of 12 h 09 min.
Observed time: 5 h 53 min
